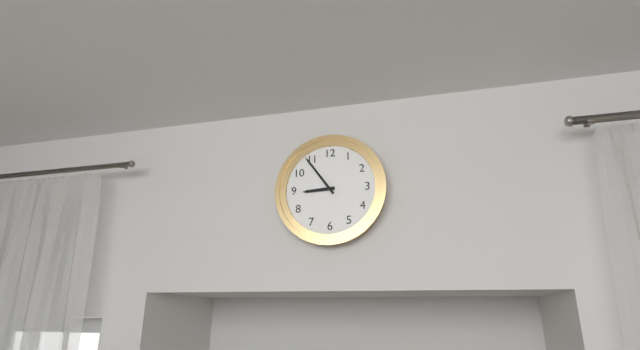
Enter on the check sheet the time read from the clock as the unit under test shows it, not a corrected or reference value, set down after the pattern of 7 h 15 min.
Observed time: 8 h 54 min
